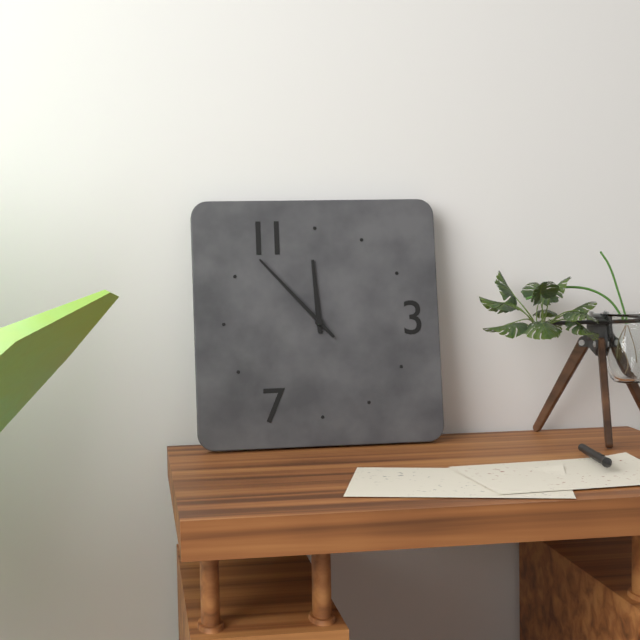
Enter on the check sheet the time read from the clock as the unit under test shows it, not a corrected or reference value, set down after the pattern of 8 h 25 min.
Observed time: 11 h 53 min
